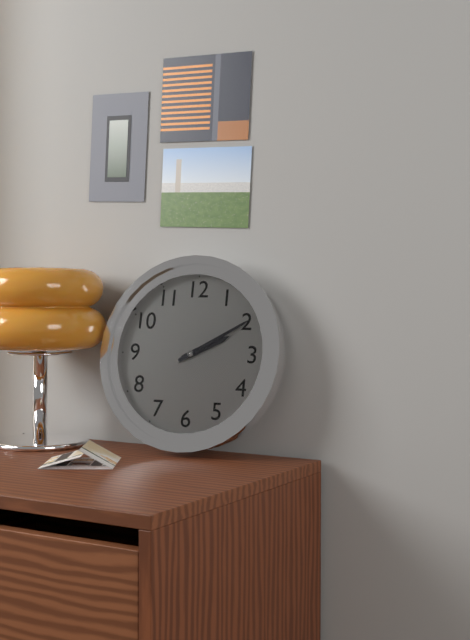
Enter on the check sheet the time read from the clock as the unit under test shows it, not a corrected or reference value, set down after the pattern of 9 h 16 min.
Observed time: 2 h 10 min
